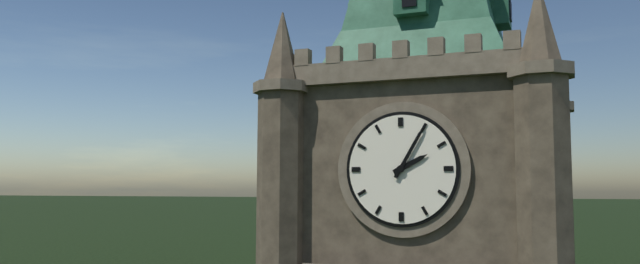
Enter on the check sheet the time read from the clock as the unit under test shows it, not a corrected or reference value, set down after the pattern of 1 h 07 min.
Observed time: 2 h 05 min
